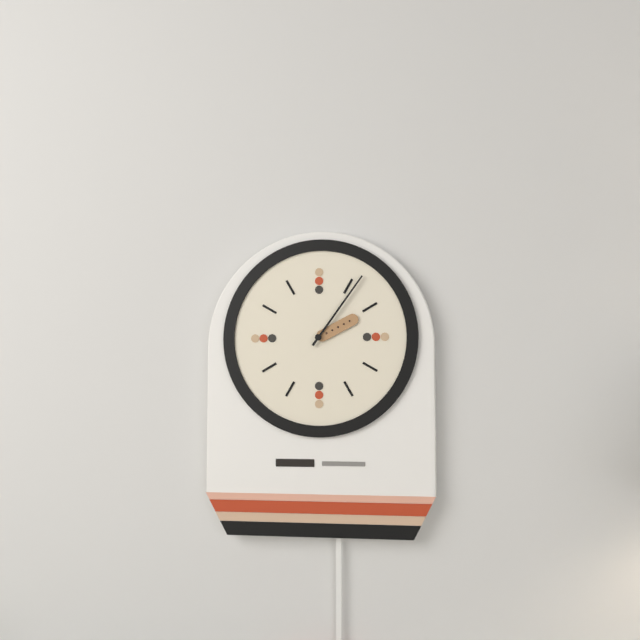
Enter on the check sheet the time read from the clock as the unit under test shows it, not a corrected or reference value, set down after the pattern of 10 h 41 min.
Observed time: 2 h 06 min
